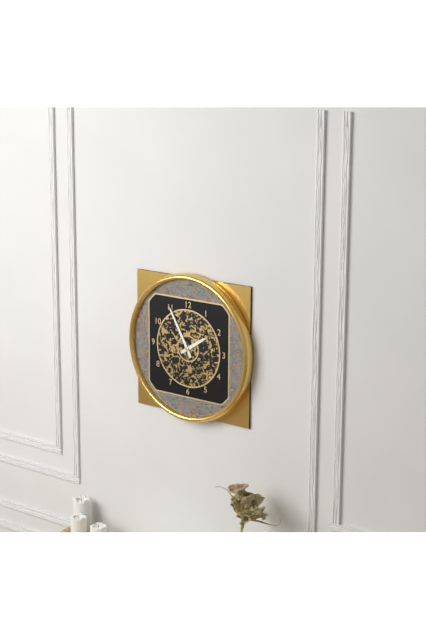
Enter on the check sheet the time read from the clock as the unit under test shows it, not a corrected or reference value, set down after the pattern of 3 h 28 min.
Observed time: 1 h 55 min
